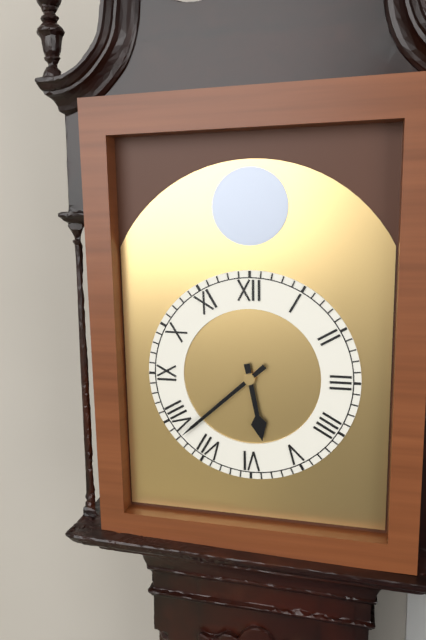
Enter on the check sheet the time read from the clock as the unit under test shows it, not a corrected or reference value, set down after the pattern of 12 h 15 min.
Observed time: 5 h 38 min
